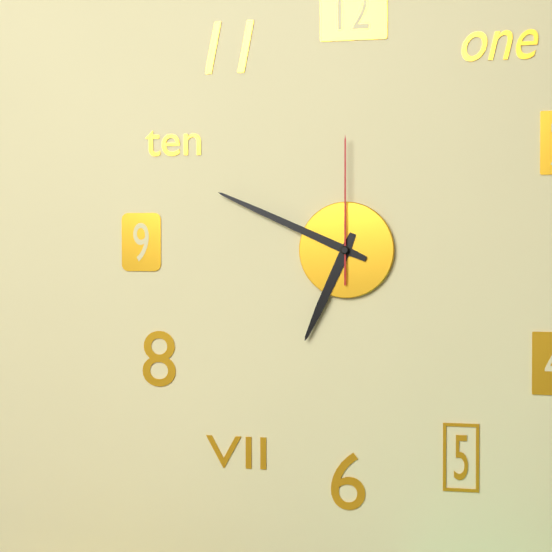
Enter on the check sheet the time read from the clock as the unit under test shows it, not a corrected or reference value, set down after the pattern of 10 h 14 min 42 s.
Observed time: 6 h 49 min 00 s
